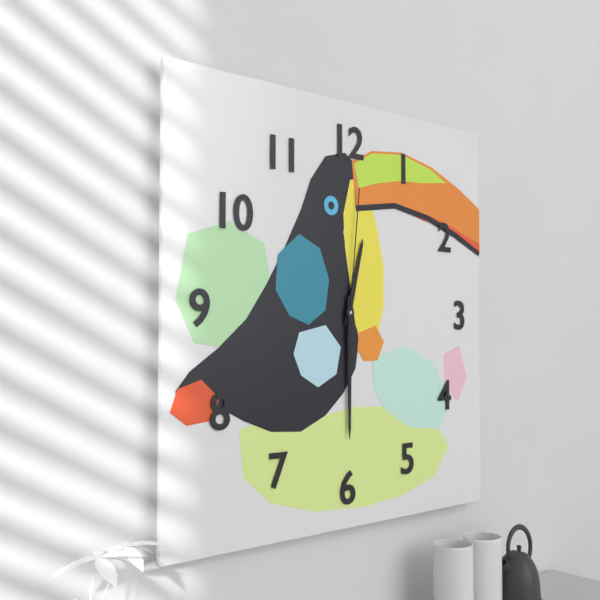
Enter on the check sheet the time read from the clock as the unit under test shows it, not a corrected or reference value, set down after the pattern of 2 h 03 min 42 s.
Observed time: 12 h 30 min 01 s
